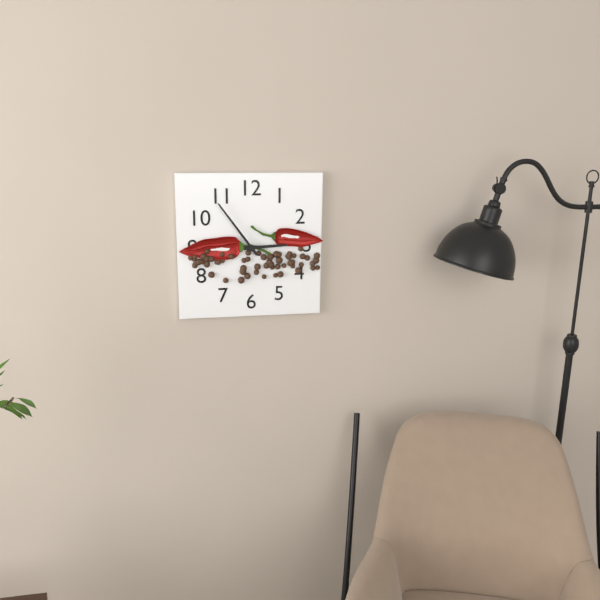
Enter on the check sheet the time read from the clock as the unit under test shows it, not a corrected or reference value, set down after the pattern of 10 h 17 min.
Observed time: 2 h 54 min
